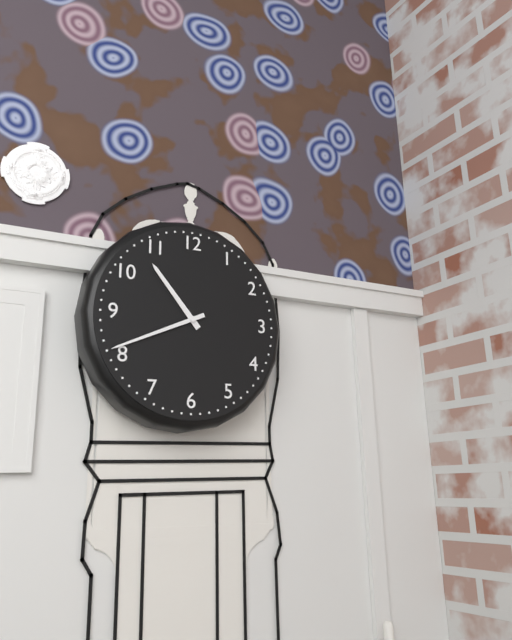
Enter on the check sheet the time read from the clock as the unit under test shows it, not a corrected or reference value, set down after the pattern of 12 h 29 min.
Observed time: 10 h 41 min
